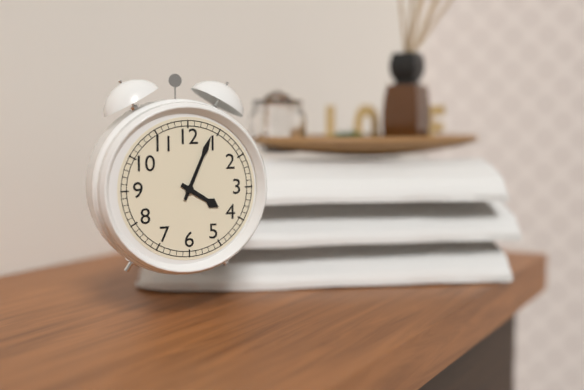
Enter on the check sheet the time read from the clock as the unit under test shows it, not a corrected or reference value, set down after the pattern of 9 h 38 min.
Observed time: 4 h 04 min
